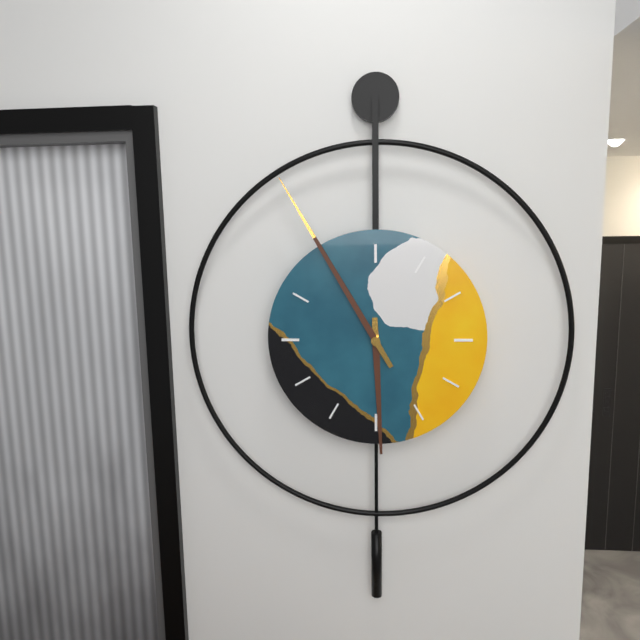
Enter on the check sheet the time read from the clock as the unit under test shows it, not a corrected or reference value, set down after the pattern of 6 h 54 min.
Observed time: 5 h 55 min
